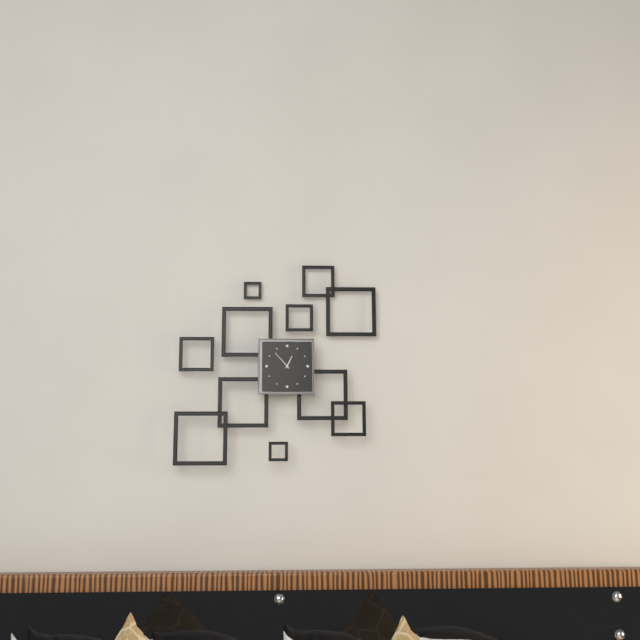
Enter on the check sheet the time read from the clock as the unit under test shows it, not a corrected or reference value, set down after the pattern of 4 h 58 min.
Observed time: 12 h 53 min
